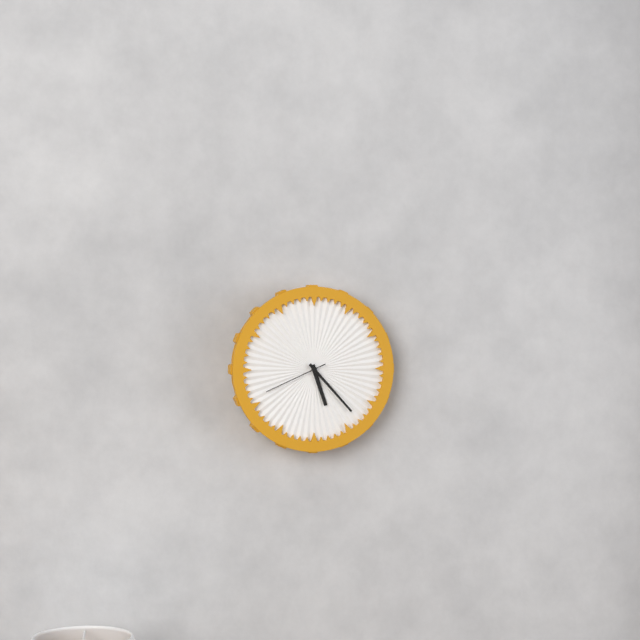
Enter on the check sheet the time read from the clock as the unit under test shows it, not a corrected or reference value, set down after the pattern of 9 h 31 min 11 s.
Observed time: 5 h 23 min 41 s
